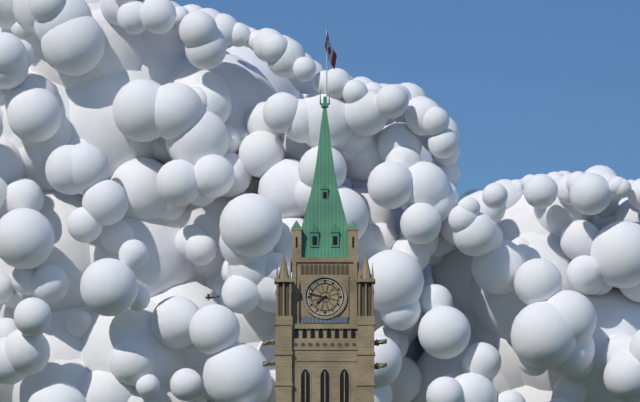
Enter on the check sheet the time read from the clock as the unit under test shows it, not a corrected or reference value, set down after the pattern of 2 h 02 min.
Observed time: 7 h 47 min
